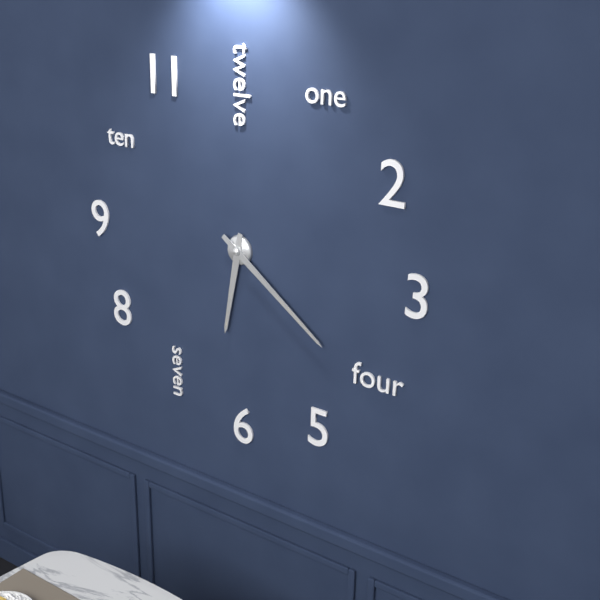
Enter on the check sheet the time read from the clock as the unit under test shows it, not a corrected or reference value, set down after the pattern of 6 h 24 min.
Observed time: 6 h 21 min
